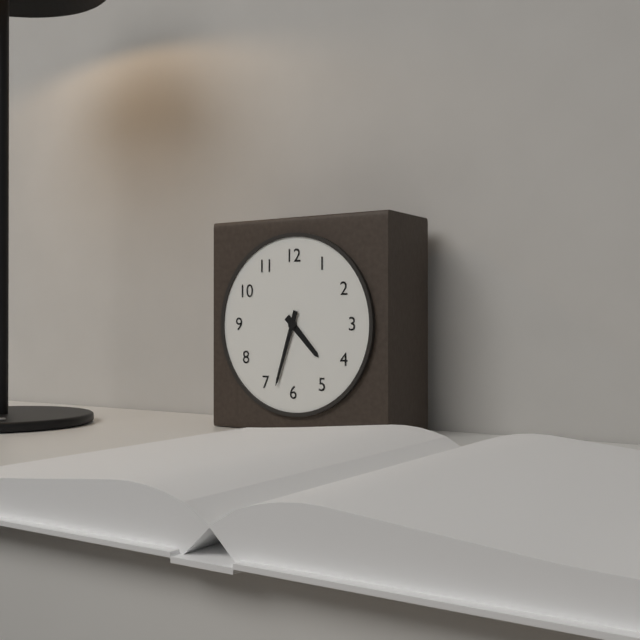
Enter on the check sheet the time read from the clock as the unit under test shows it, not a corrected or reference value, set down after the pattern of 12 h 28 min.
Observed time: 4 h 33 min
